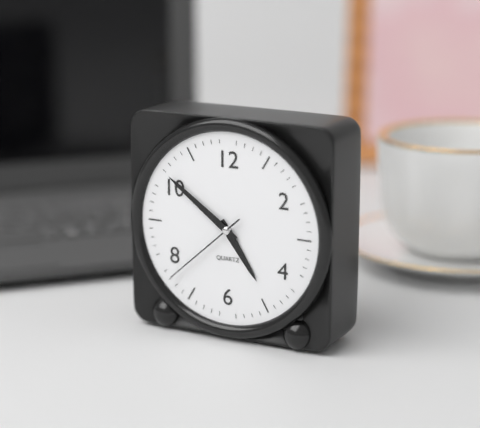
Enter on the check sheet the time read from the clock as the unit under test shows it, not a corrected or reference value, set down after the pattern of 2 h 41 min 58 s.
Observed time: 4 h 51 min 38 s
